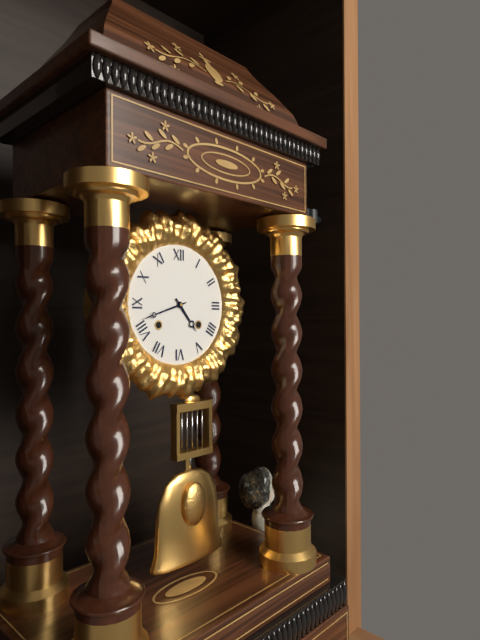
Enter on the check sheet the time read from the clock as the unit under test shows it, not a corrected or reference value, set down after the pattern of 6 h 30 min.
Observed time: 4 h 42 min
